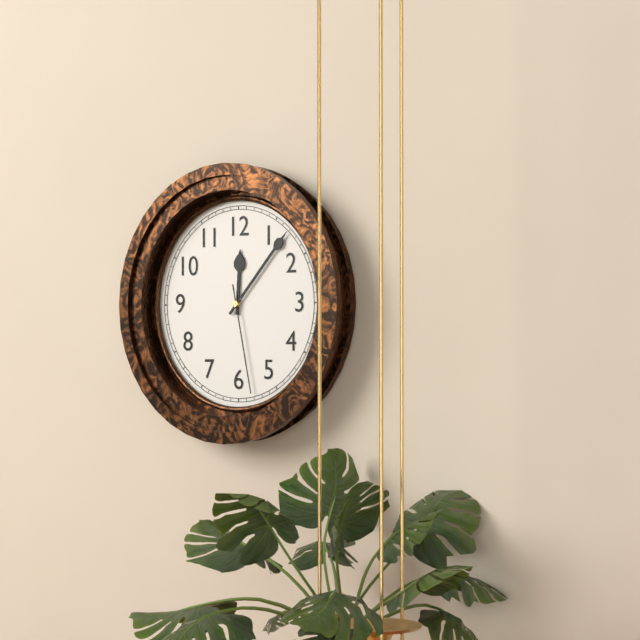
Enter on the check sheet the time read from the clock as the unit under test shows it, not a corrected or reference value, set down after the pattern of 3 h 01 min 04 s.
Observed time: 12 h 07 min 28 s
